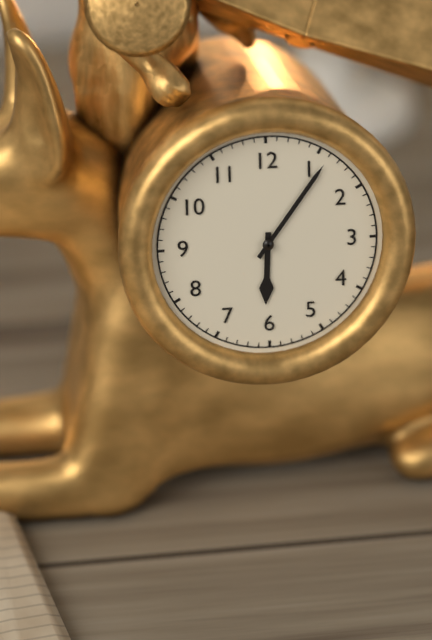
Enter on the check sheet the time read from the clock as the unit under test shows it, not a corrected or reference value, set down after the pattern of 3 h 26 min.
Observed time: 6 h 06 min
